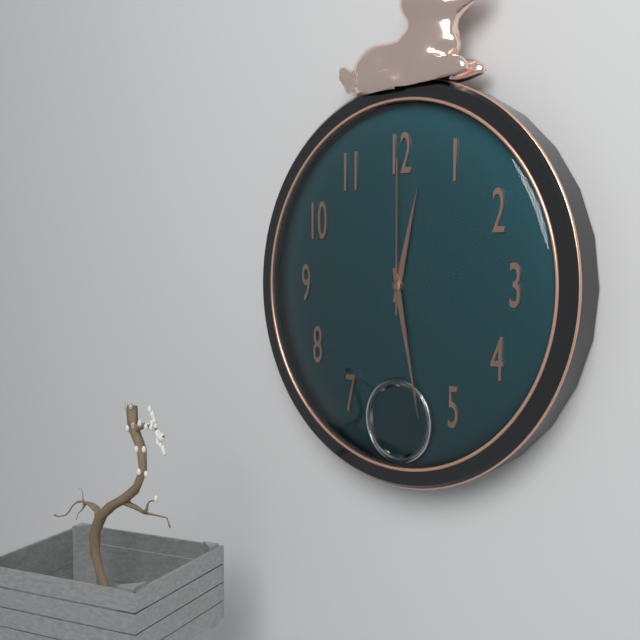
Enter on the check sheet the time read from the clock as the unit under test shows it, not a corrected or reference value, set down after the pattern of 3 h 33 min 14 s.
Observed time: 12 h 28 min 00 s
